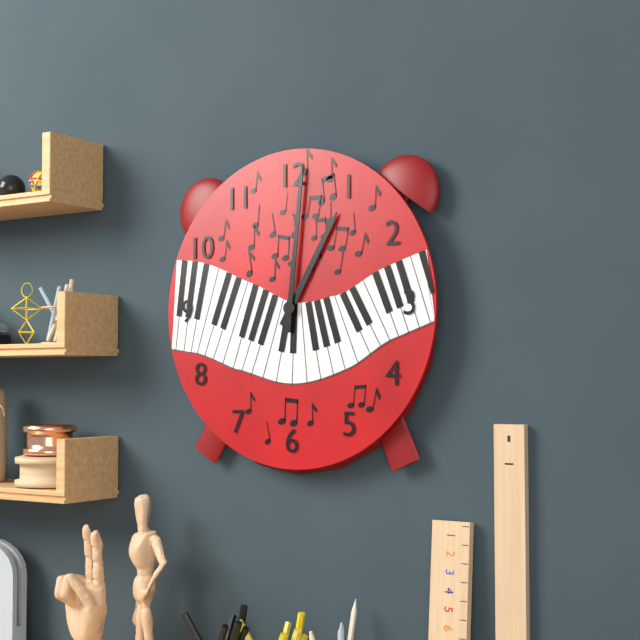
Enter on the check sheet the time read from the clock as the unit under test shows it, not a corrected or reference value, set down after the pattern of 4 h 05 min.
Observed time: 1 h 01 min
